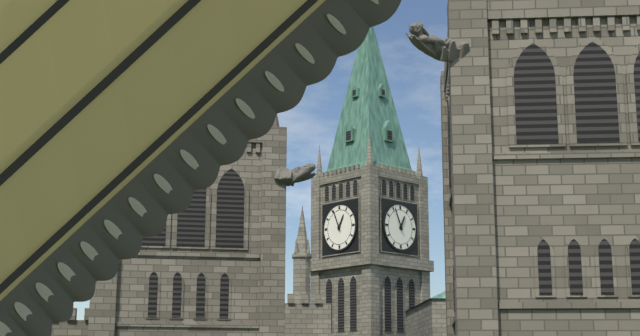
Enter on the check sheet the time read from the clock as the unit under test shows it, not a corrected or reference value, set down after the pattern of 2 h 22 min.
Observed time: 12 h 56 min
